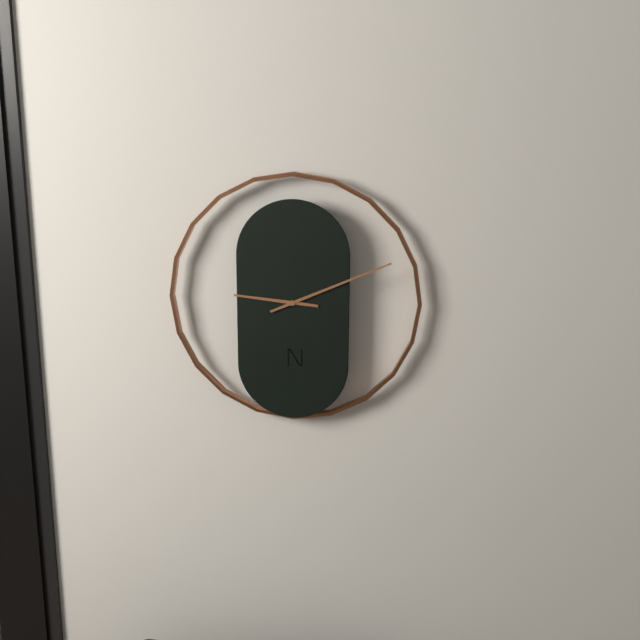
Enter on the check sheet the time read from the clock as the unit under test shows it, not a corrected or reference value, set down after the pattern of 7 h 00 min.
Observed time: 9 h 11 min
